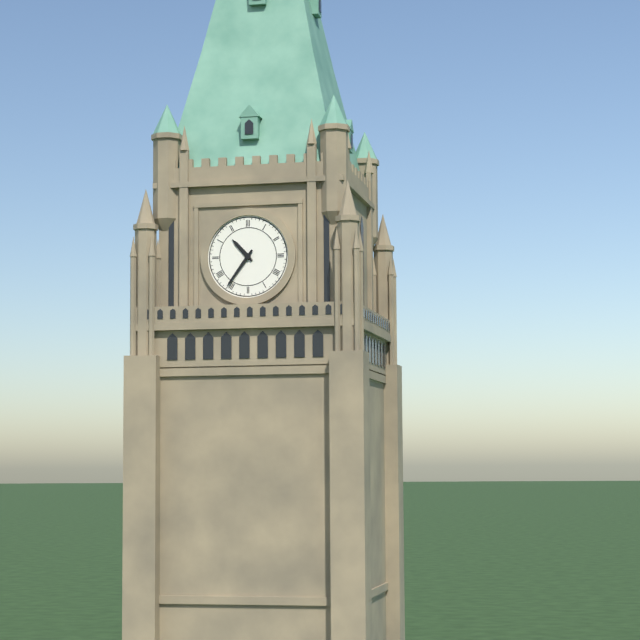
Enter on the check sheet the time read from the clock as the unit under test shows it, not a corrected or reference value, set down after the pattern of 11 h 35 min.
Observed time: 10 h 36 min
